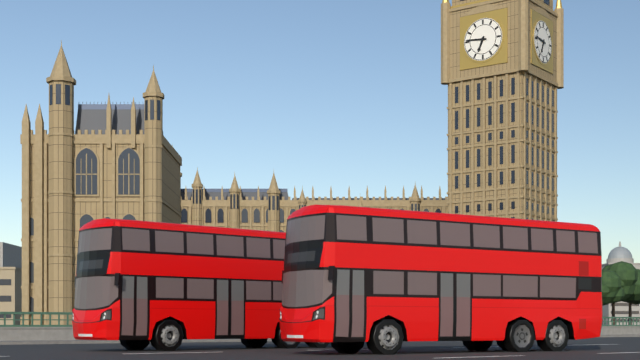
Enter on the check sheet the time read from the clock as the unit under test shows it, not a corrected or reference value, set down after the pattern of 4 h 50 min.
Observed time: 6 h 46 min
